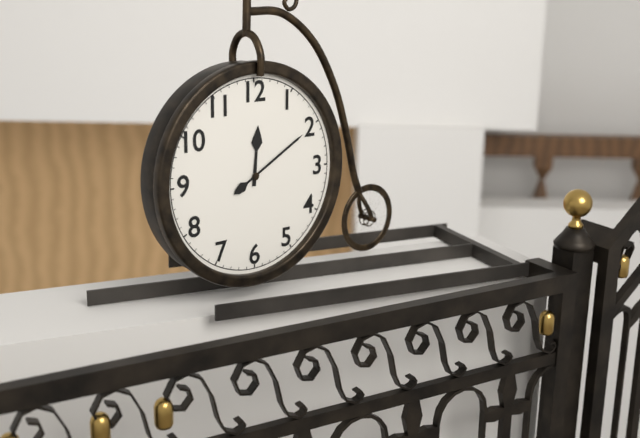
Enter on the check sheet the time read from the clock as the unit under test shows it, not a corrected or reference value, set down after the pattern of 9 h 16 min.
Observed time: 12 h 10 min
